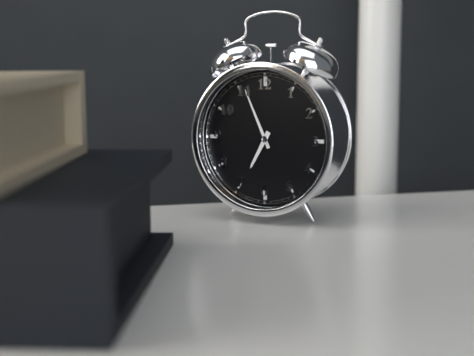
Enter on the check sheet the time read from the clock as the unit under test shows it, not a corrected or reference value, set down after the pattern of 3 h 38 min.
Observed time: 6 h 56 min
